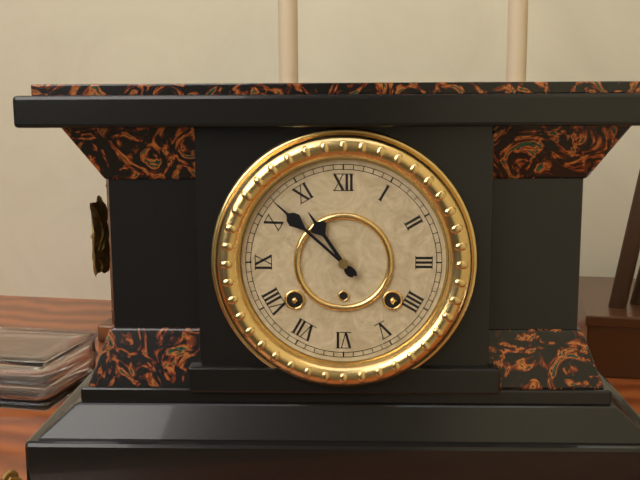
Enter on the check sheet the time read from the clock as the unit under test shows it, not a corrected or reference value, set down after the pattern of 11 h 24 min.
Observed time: 10 h 52 min
